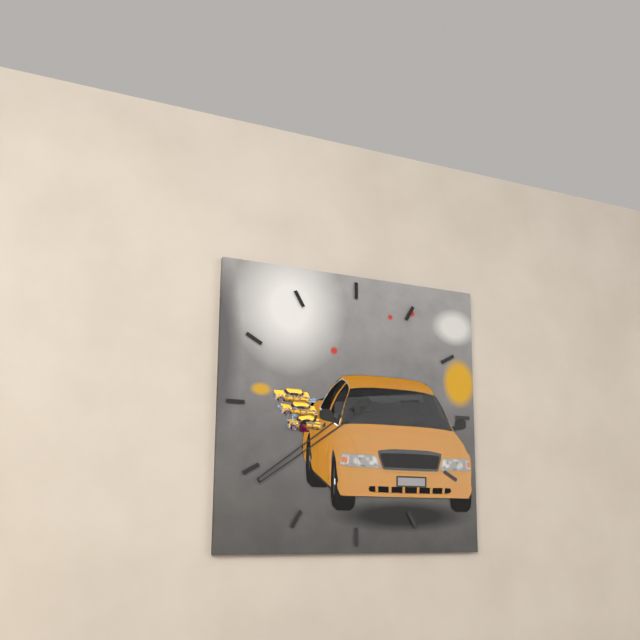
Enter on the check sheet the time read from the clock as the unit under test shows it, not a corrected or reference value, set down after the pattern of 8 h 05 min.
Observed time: 2 h 39 min
